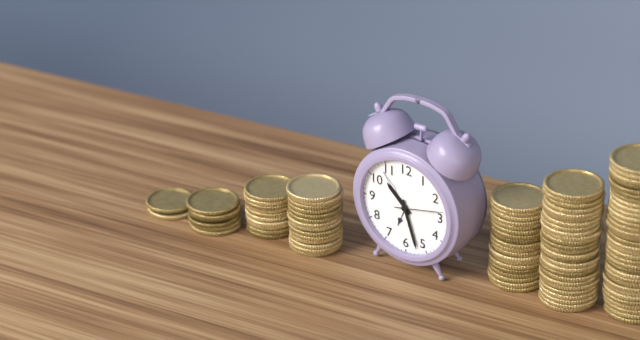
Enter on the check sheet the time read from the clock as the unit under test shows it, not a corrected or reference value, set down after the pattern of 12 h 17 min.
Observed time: 10 h 27 min
